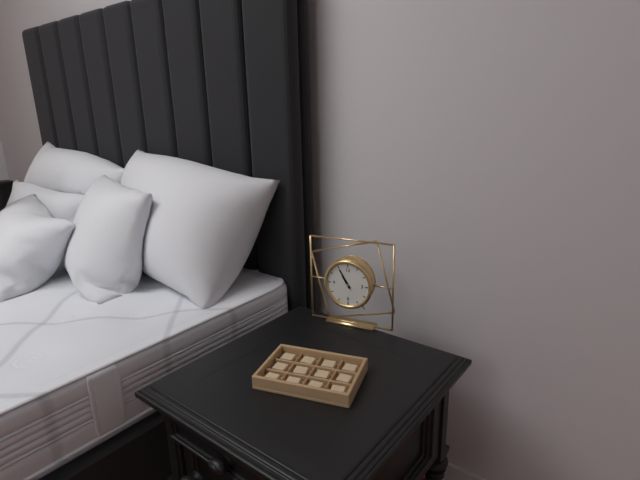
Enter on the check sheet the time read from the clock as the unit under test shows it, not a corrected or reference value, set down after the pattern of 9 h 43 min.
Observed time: 10 h 55 min
